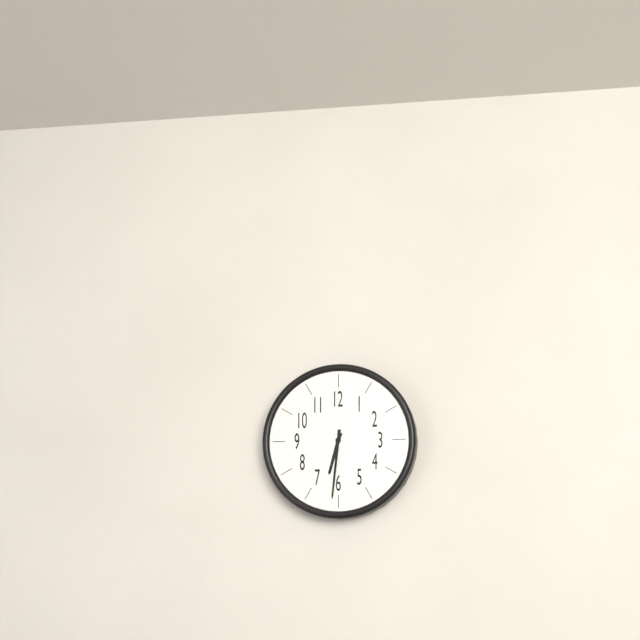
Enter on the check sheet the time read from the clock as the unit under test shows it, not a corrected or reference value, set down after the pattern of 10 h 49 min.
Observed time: 6 h 31 min
